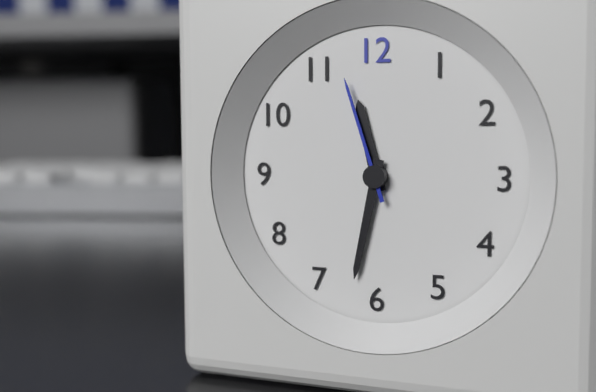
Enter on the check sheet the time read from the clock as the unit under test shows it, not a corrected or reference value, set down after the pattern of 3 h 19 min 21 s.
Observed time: 11 h 32 min 57 s
